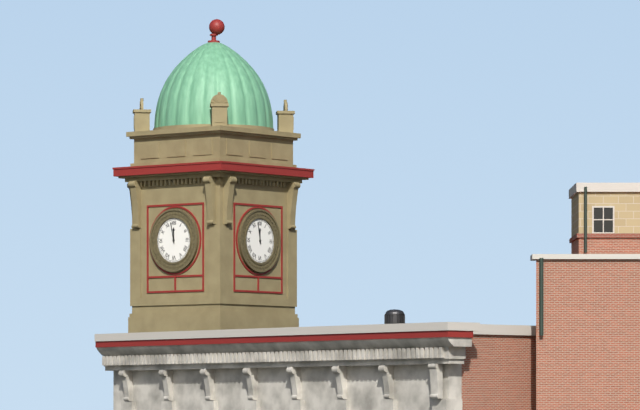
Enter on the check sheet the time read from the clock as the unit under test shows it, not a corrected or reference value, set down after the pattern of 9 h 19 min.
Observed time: 11 h 58 min
